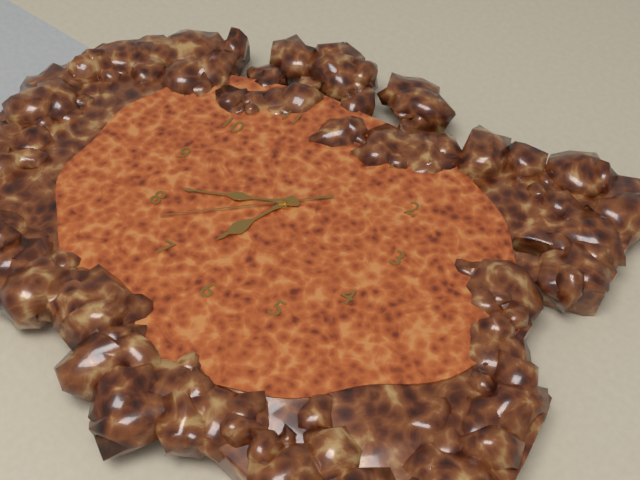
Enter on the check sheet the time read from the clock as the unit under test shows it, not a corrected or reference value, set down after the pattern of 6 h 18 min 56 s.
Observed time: 6 h 41 min 38 s
